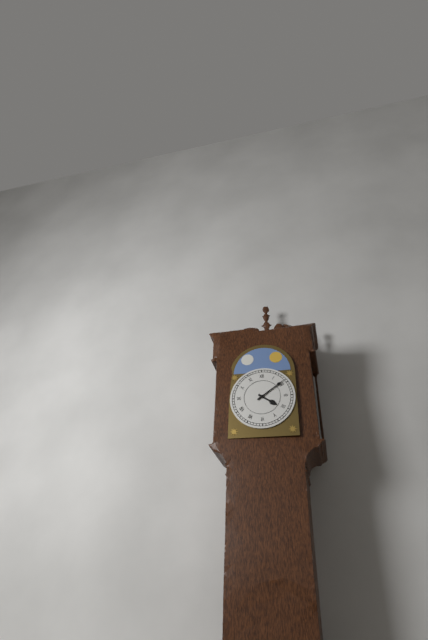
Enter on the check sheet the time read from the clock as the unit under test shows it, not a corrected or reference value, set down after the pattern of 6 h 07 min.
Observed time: 4 h 09 min
